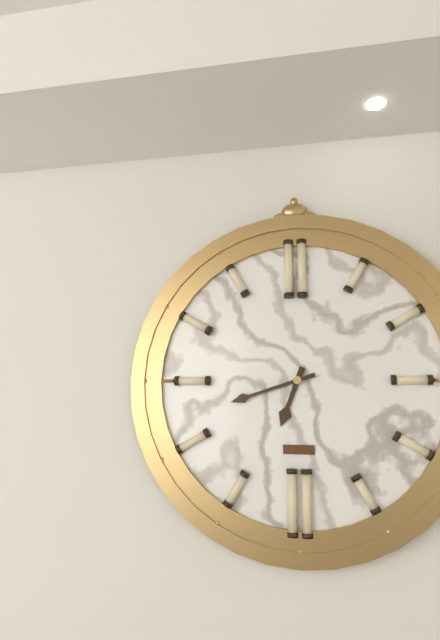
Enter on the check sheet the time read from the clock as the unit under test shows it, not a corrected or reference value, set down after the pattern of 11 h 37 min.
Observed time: 6 h 42 min
